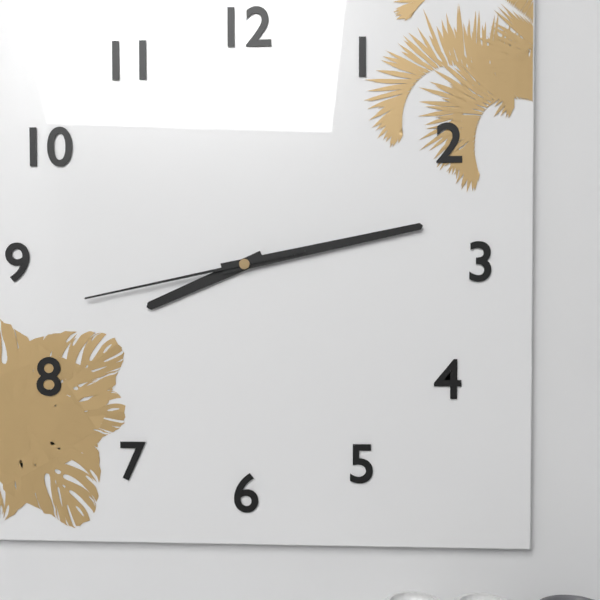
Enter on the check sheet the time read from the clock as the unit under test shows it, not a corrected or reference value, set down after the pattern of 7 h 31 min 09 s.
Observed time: 8 h 13 min 43 s
